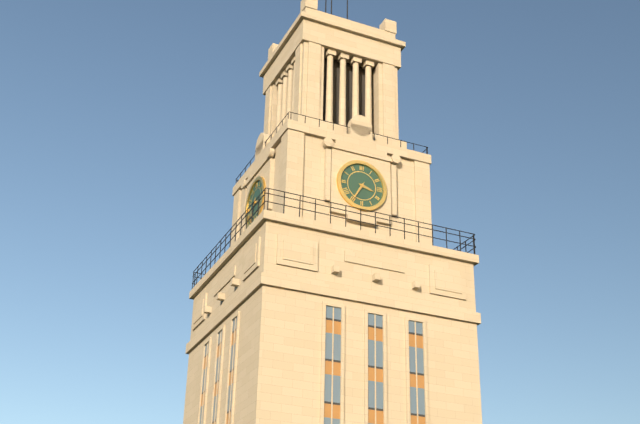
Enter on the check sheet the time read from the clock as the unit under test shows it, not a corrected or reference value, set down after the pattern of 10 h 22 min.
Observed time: 3 h 35 min
